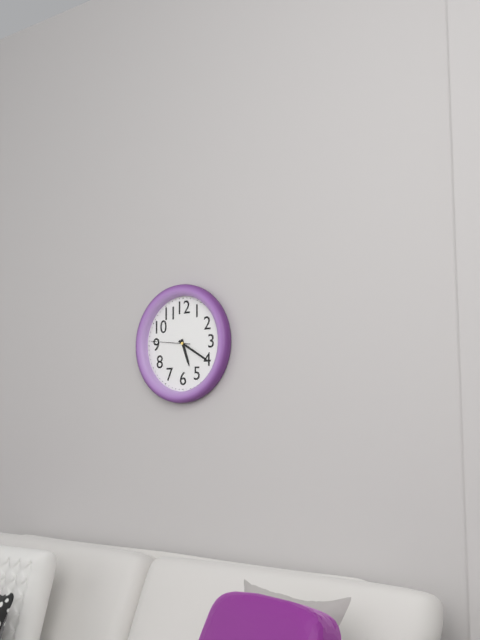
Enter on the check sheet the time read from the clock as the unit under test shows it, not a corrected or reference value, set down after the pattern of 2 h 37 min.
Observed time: 5 h 20 min
